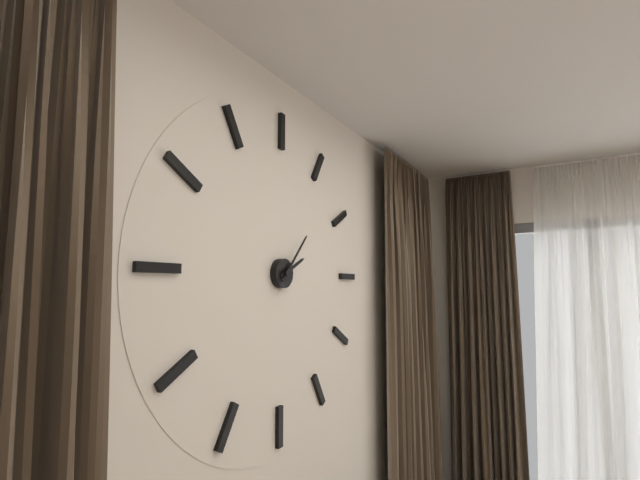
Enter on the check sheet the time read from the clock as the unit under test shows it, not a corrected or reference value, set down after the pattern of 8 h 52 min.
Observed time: 2 h 07 min
